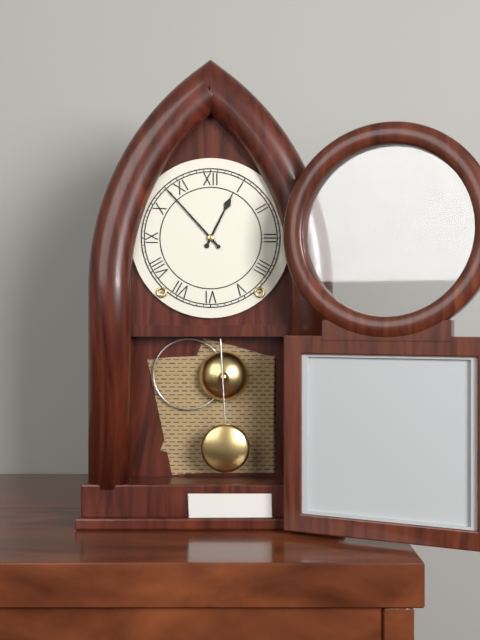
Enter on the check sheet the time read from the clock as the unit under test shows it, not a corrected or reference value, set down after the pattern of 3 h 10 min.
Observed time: 12 h 53 min
